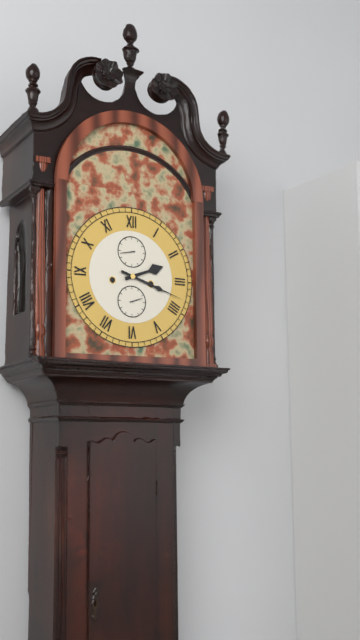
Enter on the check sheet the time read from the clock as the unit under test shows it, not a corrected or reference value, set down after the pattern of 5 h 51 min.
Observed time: 2 h 18 min
